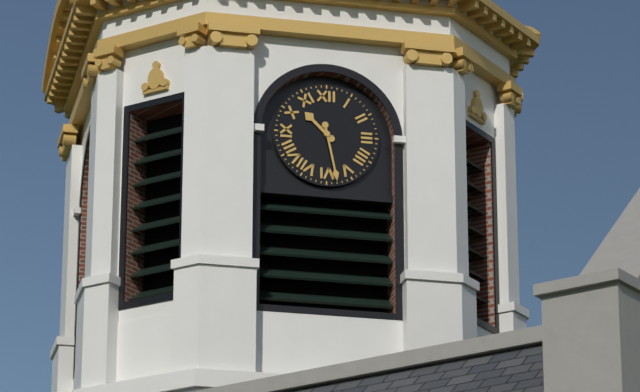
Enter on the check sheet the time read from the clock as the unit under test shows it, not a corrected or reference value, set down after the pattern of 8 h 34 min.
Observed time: 10 h 28 min
